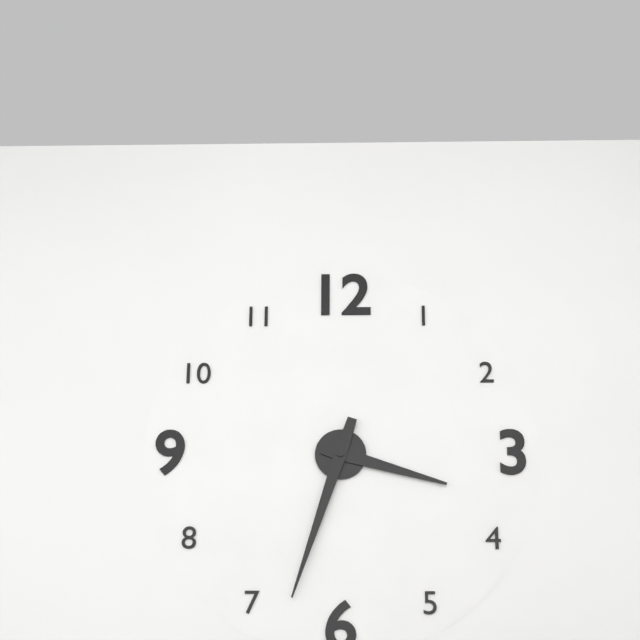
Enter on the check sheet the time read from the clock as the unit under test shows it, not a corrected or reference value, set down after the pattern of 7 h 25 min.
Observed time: 3 h 33 min
